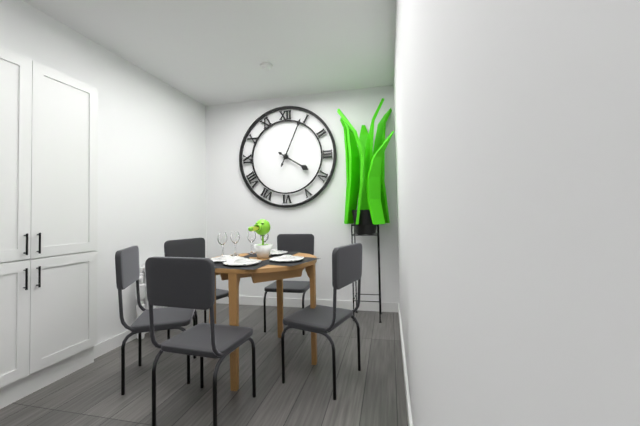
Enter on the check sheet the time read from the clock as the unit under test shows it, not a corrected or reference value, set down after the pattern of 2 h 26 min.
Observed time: 4 h 04 min
